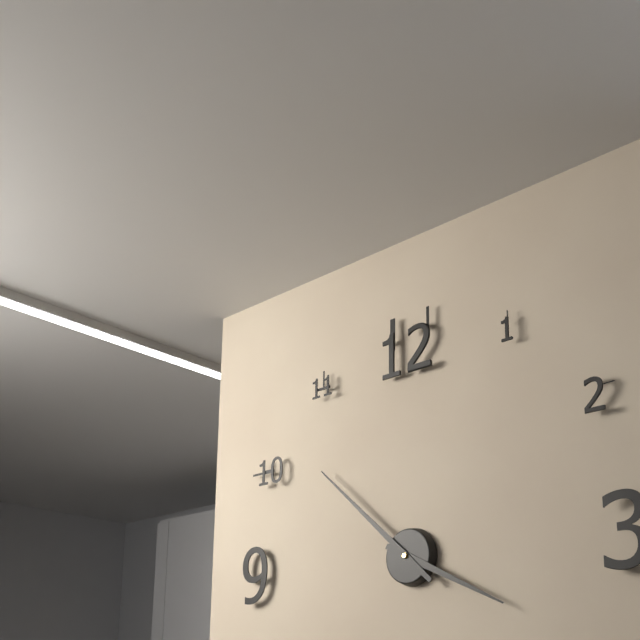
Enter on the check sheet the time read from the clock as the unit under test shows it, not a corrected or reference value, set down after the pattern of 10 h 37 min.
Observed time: 3 h 52 min
